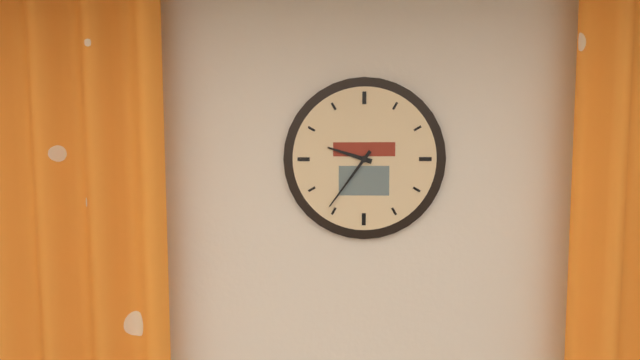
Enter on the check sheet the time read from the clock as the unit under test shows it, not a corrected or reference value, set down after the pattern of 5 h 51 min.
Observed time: 9 h 36 min
